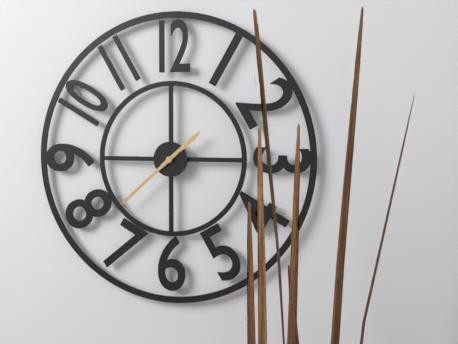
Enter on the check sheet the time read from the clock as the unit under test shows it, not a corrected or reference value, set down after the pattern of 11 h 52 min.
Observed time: 1 h 38 min
